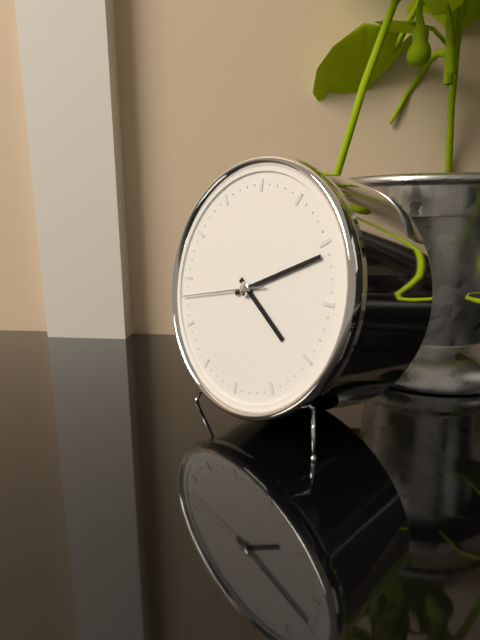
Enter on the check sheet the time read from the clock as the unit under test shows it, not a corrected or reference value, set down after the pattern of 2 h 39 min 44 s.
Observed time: 4 h 11 min 43 s
